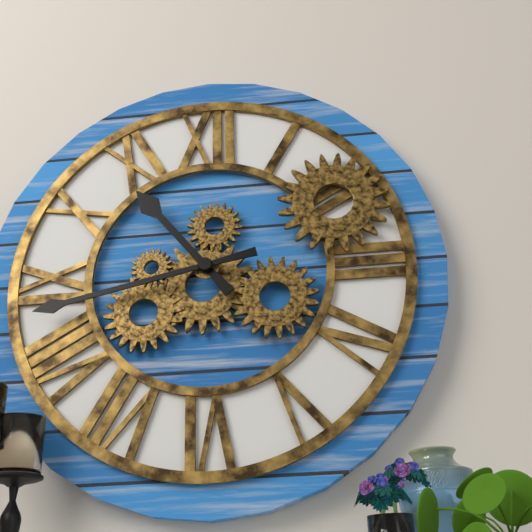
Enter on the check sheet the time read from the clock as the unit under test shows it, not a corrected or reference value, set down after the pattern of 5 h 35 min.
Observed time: 10 h 43 min
